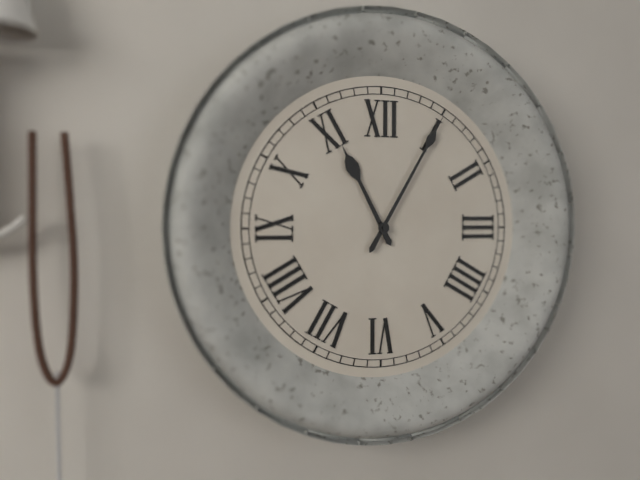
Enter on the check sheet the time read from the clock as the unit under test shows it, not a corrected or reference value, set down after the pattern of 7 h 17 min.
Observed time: 11 h 05 min
